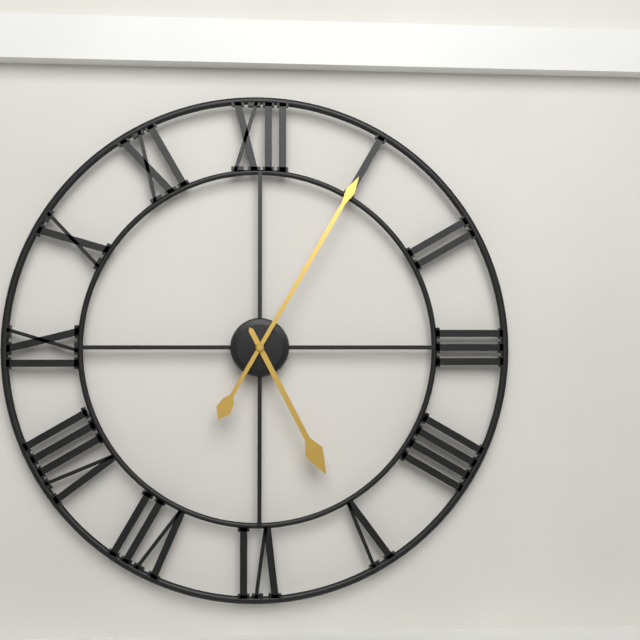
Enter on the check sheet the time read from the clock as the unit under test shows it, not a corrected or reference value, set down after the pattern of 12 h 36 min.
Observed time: 5 h 05 min
